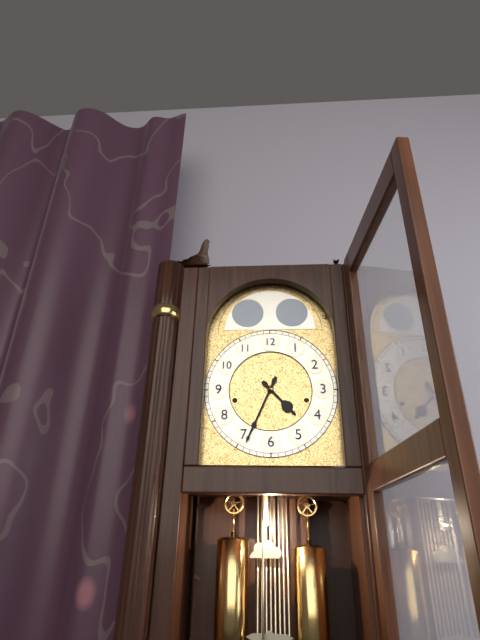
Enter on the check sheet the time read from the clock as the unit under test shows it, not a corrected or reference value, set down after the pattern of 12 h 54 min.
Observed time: 4 h 34 min
